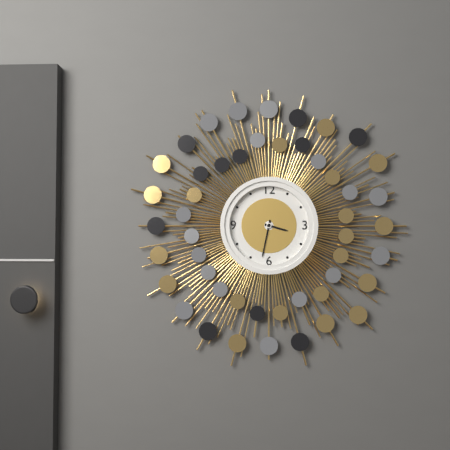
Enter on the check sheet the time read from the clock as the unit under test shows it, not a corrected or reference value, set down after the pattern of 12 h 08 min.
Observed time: 3 h 32 min
